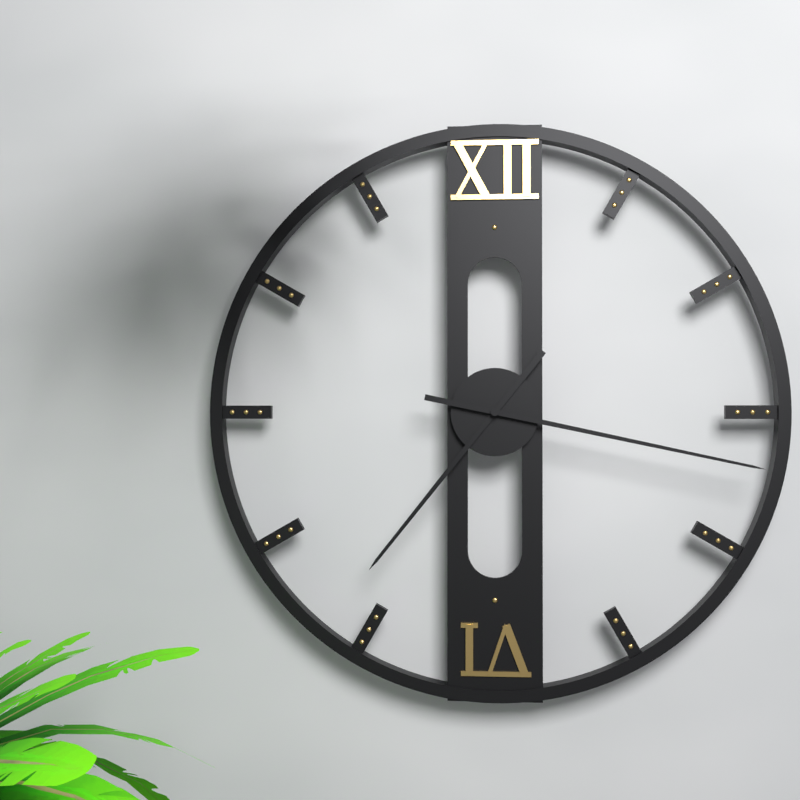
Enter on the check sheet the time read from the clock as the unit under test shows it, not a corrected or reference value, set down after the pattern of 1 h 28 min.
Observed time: 7 h 17 min
